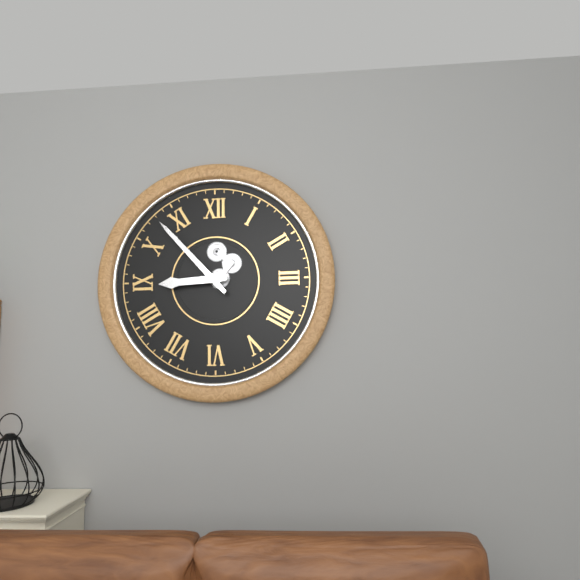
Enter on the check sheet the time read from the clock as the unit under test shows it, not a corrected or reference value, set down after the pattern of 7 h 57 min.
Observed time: 8 h 53 min
